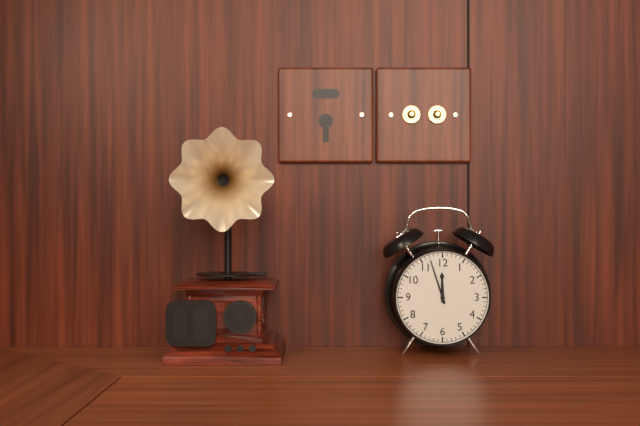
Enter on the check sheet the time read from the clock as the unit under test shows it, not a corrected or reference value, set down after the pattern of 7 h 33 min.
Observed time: 11 h 57 min
